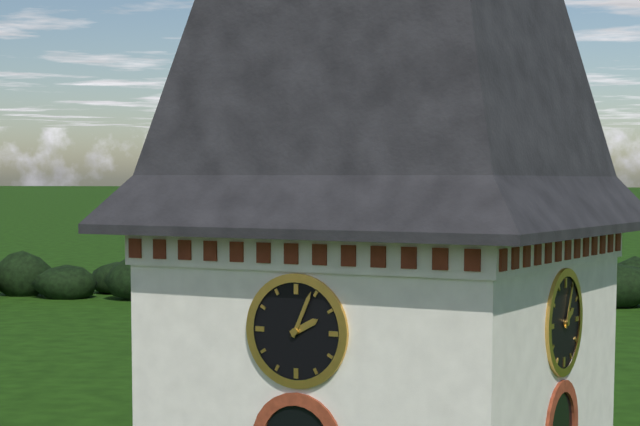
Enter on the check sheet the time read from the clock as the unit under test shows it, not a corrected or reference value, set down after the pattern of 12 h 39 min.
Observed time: 2 h 04 min
